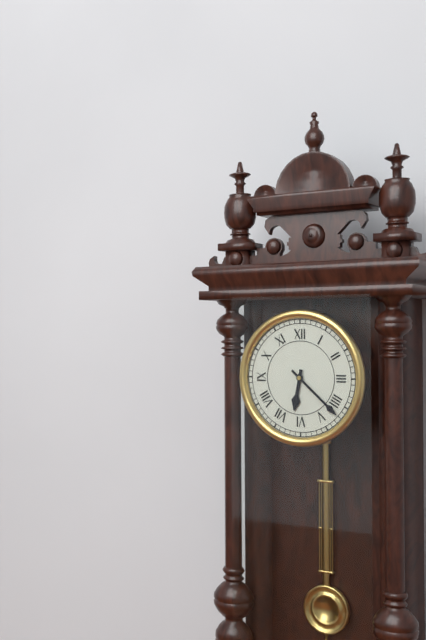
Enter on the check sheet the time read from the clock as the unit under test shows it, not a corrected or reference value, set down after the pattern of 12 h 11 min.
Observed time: 6 h 22 min
